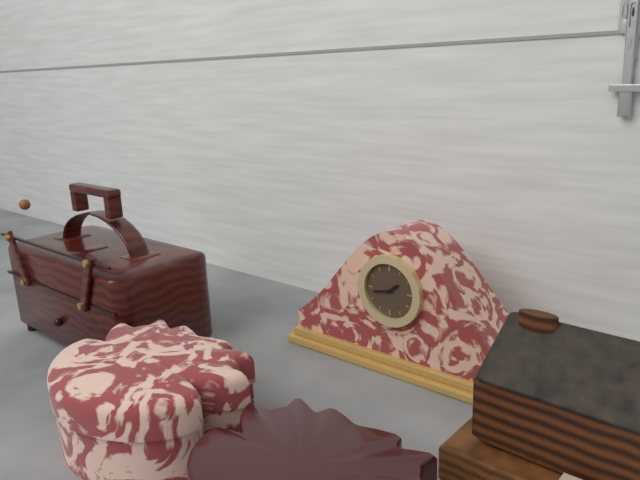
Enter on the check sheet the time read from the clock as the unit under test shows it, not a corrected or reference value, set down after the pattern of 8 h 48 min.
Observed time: 1 h 43 min
